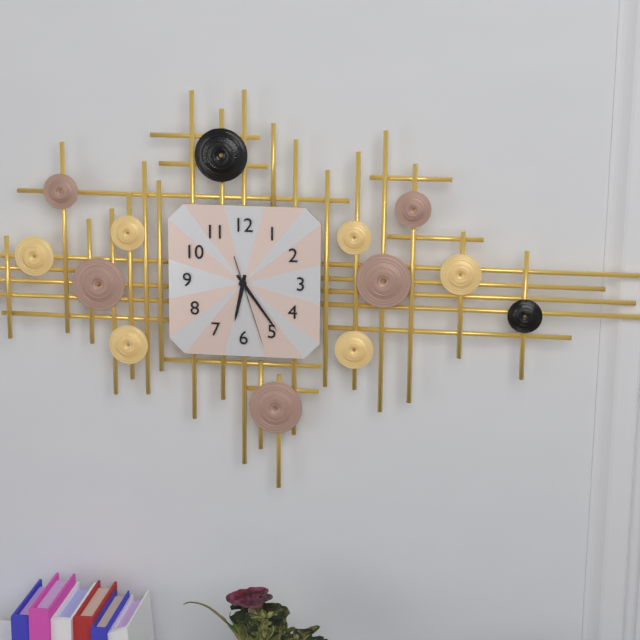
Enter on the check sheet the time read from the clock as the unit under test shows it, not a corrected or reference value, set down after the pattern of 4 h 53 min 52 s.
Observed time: 6 h 24 min 27 s
